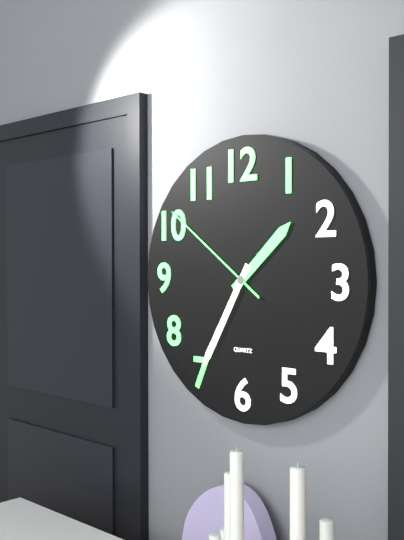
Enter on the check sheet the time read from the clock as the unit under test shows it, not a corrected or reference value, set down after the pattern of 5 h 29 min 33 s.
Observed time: 1 h 35 min 51 s
